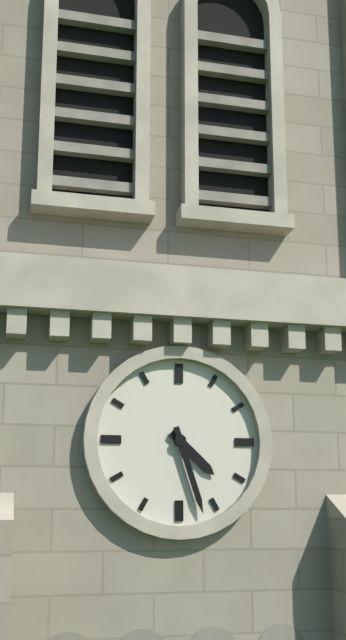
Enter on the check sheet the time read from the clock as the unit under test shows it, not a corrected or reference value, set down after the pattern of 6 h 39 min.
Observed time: 4 h 27 min
